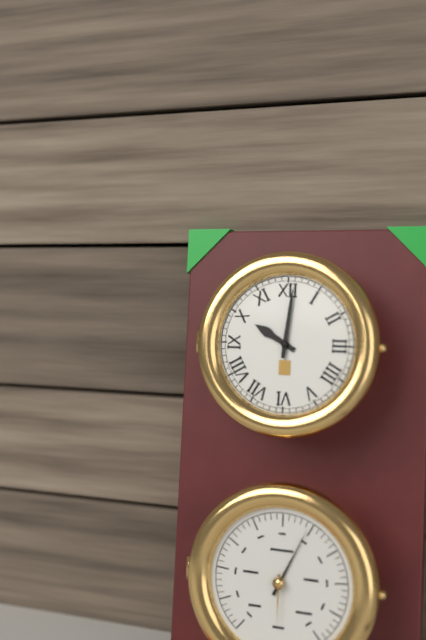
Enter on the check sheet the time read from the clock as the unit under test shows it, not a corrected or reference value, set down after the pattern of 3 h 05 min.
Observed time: 10 h 01 min
